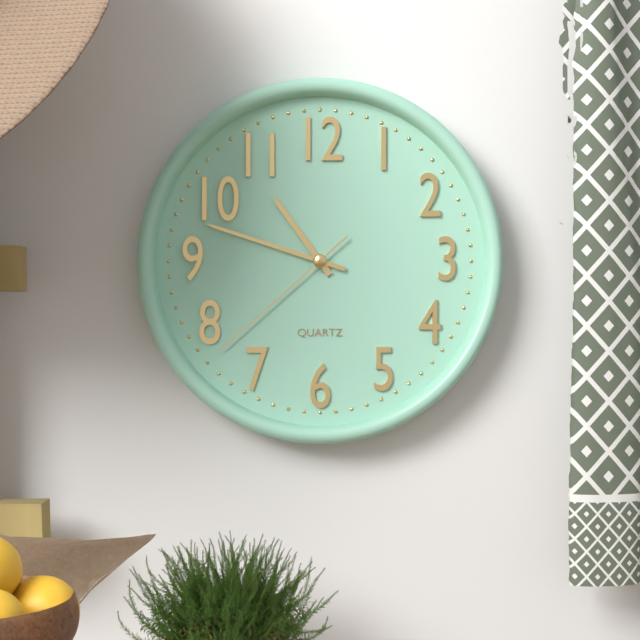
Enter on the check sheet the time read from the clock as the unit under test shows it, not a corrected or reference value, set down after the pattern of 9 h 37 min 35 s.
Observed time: 10 h 48 min 38 s
